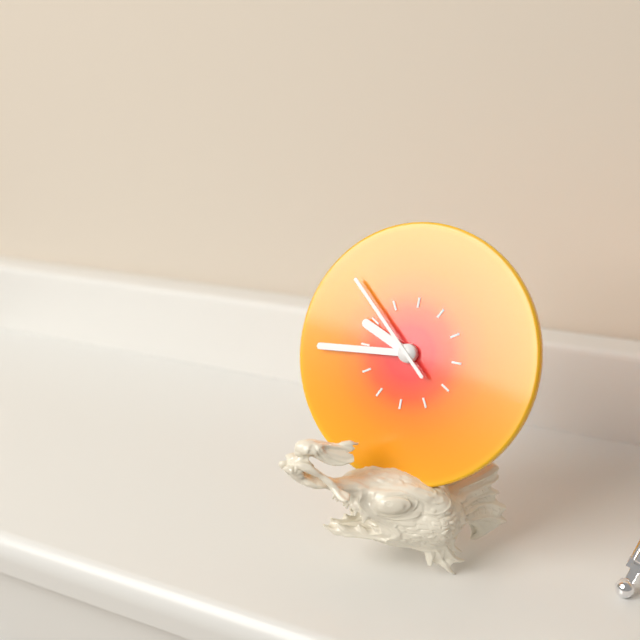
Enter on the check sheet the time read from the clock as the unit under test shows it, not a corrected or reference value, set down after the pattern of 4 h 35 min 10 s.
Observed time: 9 h 44 min 52 s
